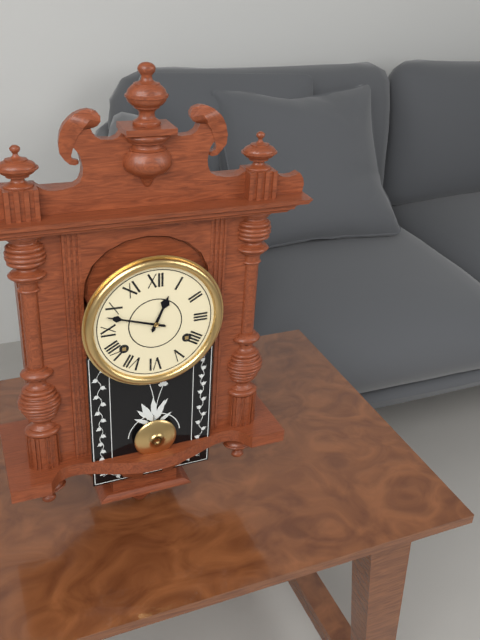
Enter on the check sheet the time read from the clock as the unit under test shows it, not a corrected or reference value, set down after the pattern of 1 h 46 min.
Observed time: 12 h 48 min
